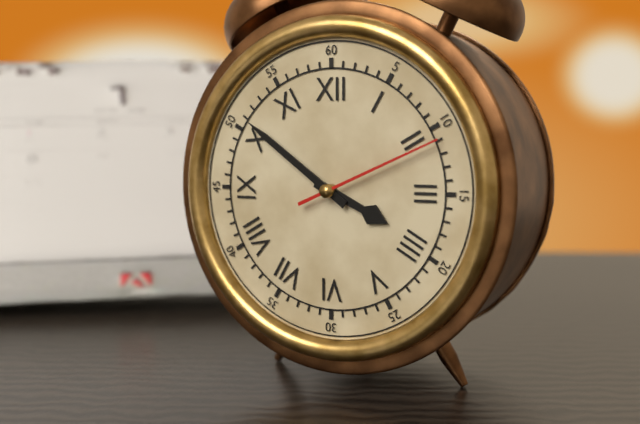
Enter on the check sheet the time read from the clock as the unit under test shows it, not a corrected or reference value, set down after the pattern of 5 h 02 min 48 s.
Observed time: 3 h 51 min 11 s
